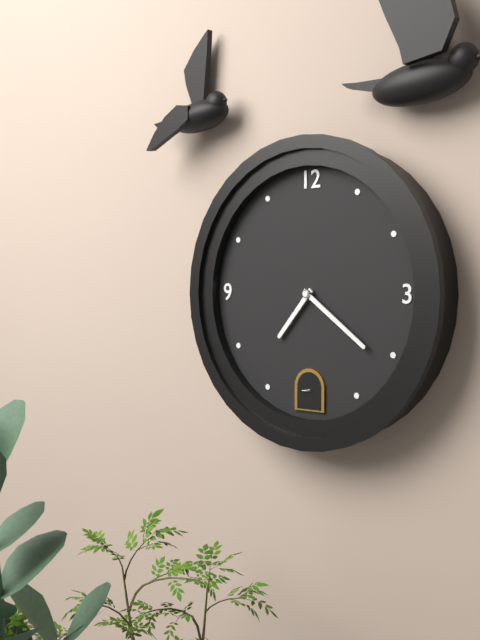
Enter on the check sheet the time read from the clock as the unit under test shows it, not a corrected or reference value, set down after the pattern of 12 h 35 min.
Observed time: 7 h 21 min
